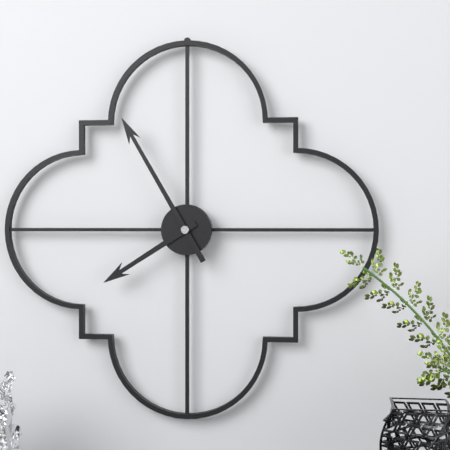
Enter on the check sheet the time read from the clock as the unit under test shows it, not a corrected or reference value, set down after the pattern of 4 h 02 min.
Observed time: 7 h 55 min
